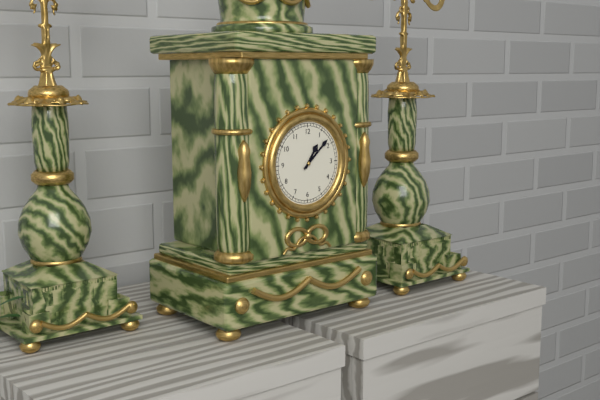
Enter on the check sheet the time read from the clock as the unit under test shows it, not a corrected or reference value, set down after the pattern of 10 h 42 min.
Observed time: 1 h 08 min
